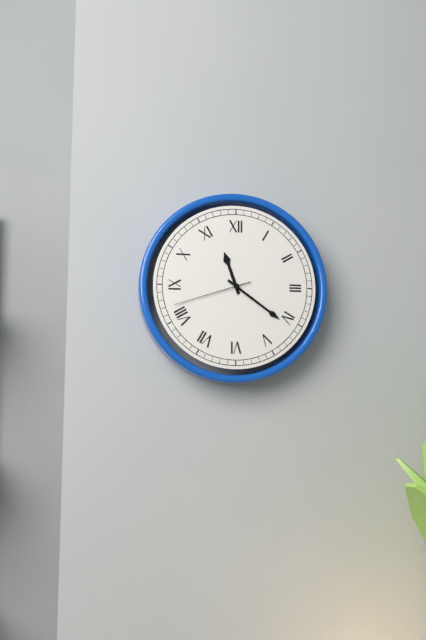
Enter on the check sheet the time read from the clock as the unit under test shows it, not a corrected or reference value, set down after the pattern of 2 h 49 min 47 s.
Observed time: 11 h 21 min 42 s
